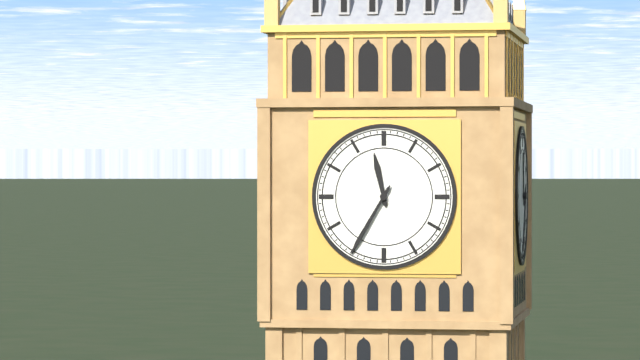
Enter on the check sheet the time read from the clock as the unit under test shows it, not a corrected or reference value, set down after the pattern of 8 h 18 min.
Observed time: 11 h 35 min
